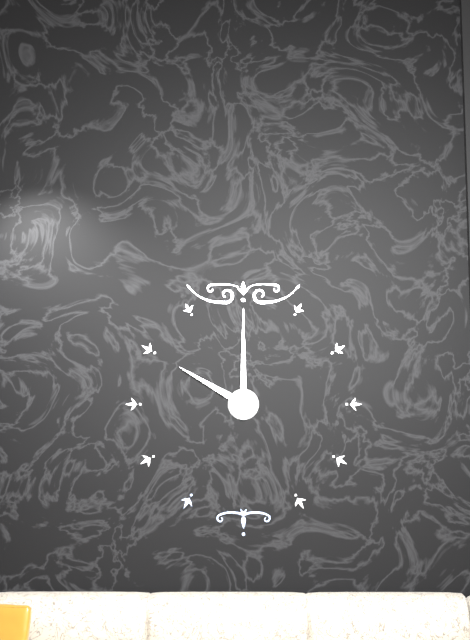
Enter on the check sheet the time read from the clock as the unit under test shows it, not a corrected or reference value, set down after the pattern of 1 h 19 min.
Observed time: 10 h 00 min
